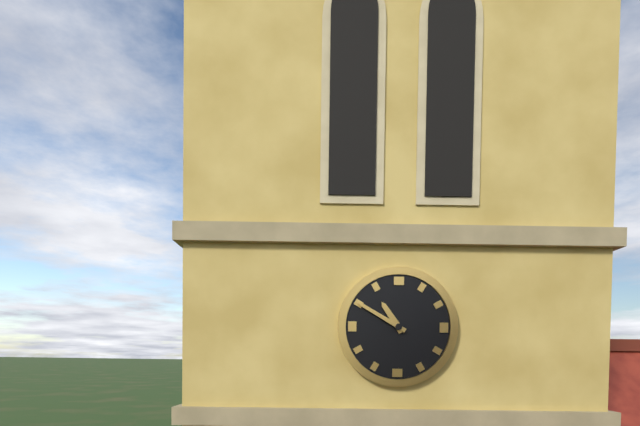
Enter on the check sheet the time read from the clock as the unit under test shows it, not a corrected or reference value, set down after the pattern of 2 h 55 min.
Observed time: 10 h 50 min
